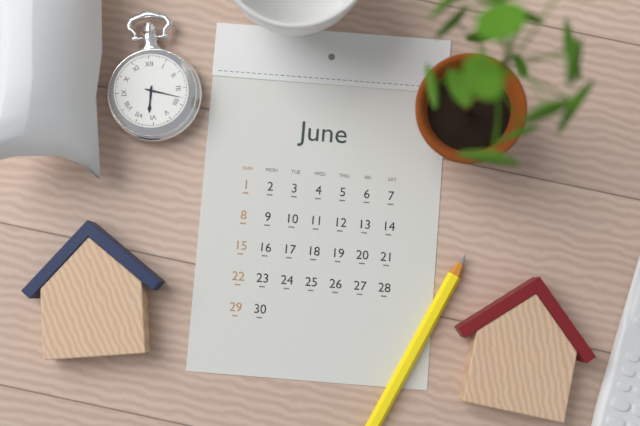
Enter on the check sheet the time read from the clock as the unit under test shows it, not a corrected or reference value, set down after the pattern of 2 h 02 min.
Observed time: 6 h 18 min
